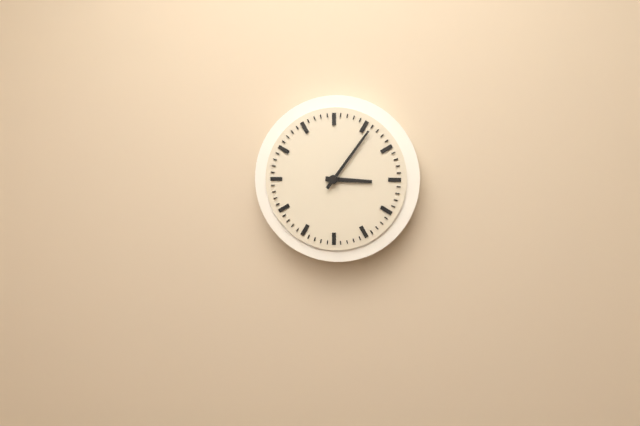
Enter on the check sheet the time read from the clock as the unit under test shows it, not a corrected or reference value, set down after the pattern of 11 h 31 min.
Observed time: 3 h 06 min
